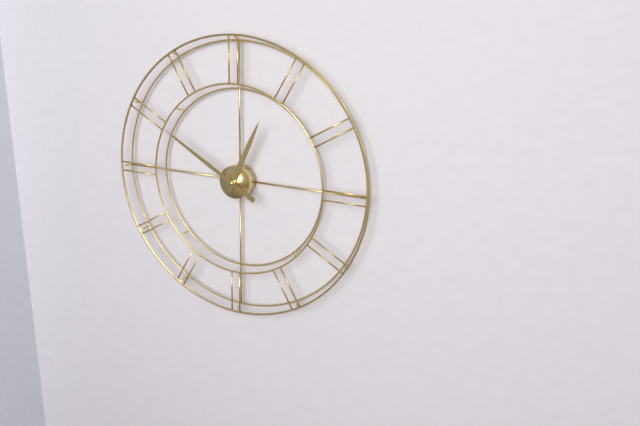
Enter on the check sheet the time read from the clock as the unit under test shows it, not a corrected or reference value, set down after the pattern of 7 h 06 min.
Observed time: 12 h 50 min
